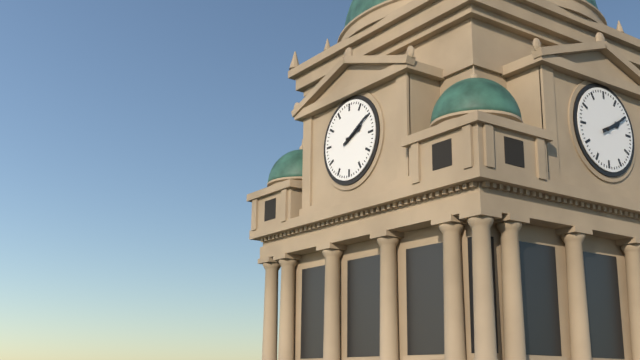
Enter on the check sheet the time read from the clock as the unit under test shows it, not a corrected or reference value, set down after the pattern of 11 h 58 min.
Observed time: 2 h 10 min
